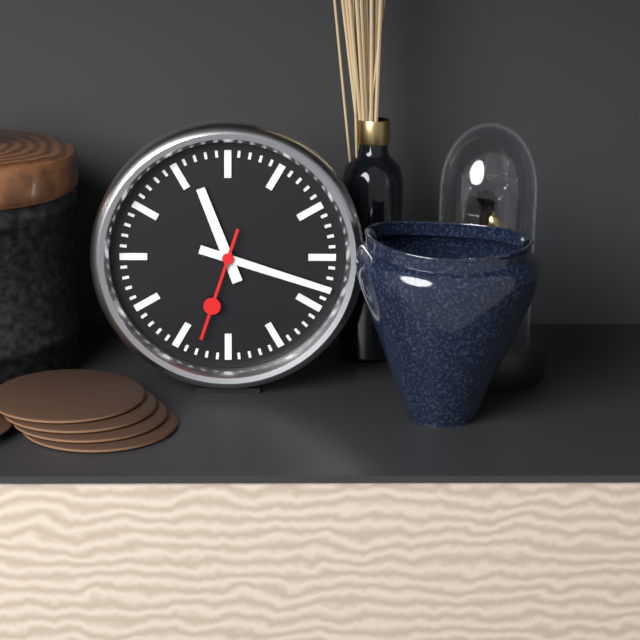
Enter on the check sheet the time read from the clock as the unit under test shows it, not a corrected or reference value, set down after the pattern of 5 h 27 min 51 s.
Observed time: 11 h 18 min 33 s
